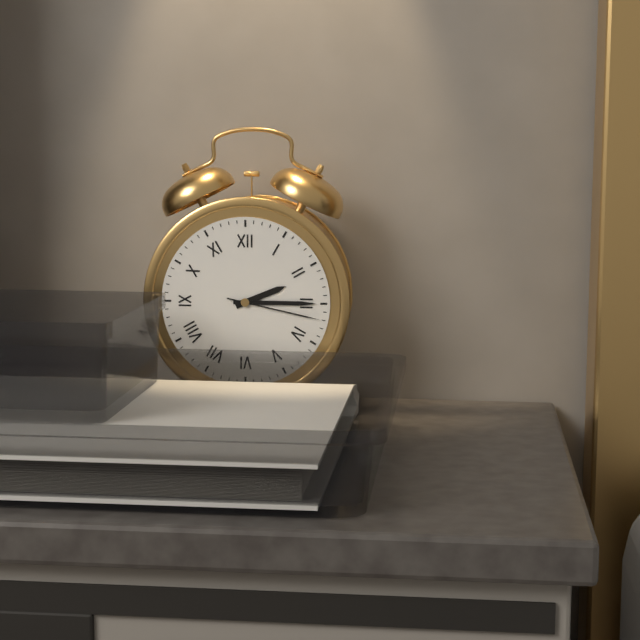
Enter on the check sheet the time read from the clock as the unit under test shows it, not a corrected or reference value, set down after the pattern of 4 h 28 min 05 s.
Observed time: 2 h 15 min 17 s
